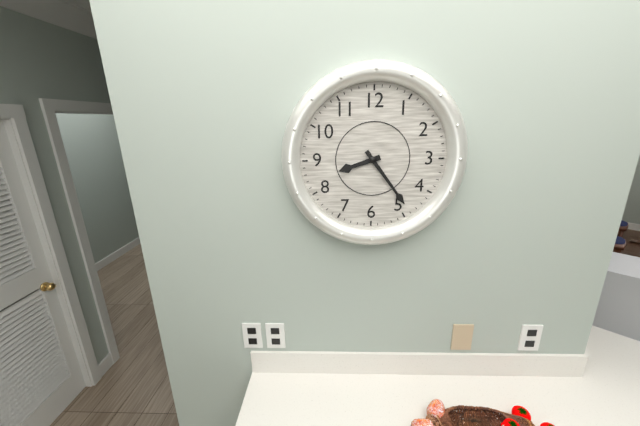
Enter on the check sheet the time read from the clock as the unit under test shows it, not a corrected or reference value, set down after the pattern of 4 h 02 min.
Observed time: 8 h 24 min
